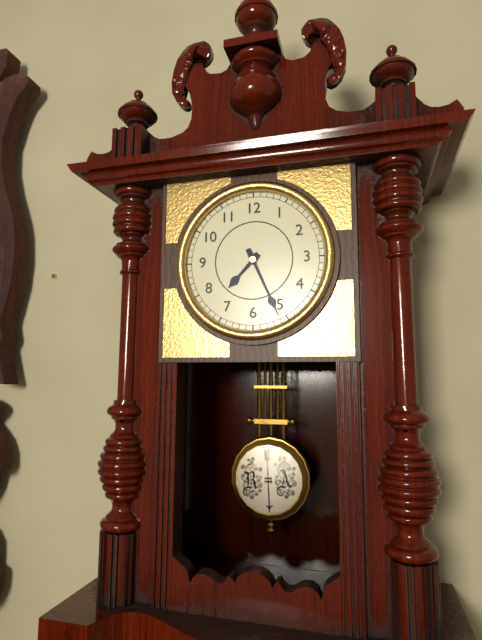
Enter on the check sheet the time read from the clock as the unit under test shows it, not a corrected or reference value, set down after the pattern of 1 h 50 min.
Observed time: 7 h 26 min
